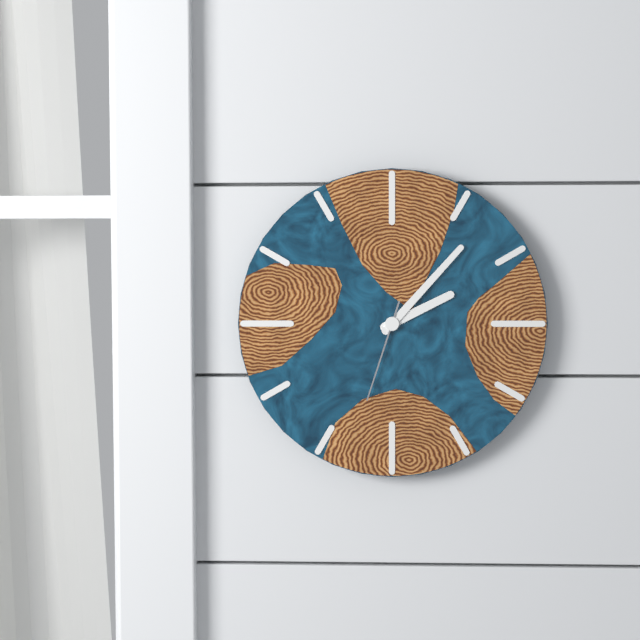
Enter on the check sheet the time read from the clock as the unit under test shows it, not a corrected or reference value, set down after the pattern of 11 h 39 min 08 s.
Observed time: 2 h 07 min 33 s
